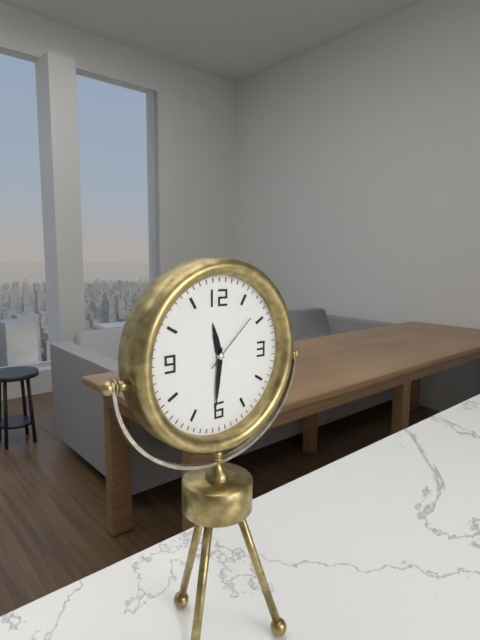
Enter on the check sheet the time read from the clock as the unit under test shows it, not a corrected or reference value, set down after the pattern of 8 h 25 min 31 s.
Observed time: 11 h 31 min 08 s
